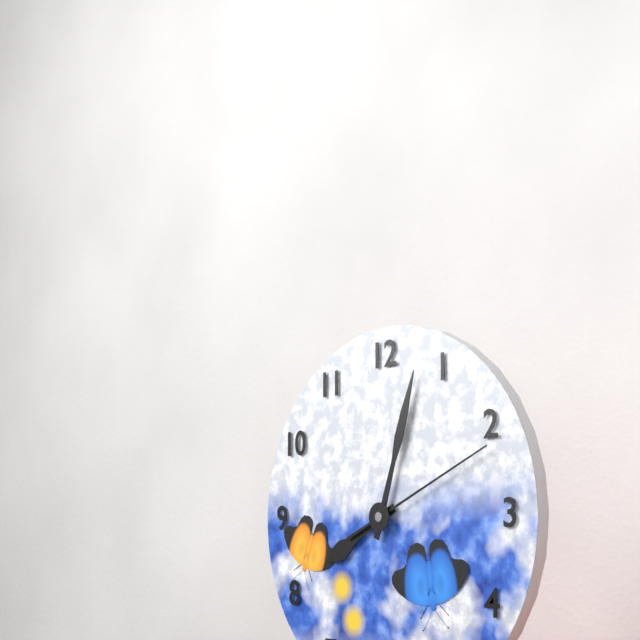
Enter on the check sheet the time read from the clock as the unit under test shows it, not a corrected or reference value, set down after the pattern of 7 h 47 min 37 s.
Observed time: 8 h 03 min 11 s
